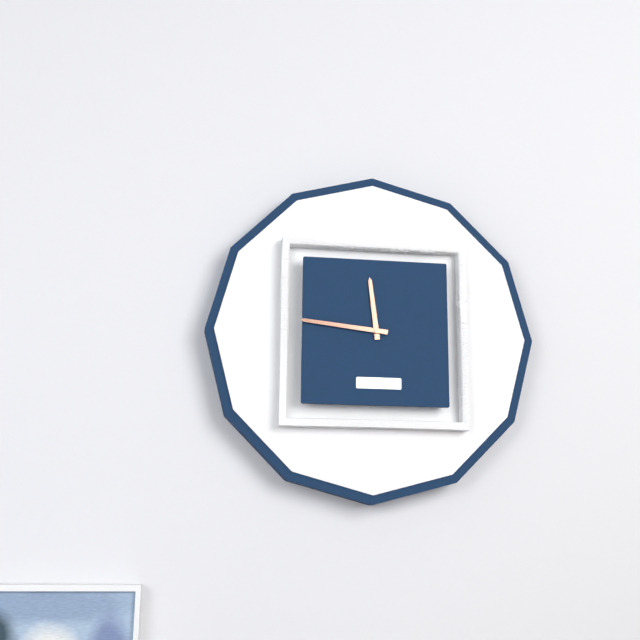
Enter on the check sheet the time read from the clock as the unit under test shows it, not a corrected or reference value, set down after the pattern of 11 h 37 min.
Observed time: 11 h 46 min
